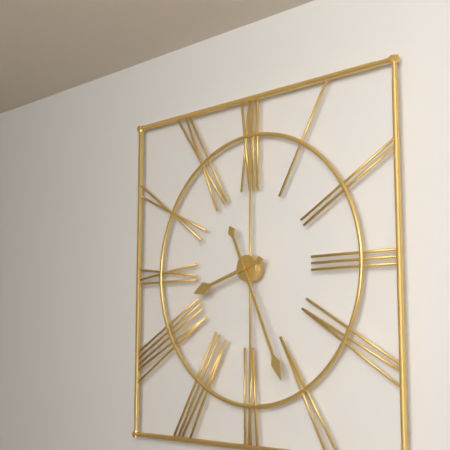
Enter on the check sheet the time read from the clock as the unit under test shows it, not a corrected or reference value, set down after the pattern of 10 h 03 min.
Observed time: 8 h 26 min
